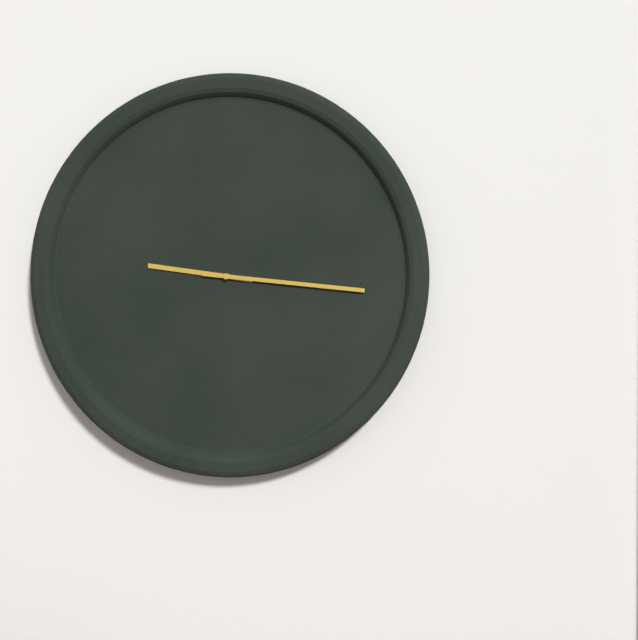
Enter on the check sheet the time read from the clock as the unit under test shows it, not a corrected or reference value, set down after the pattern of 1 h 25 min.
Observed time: 9 h 16 min
